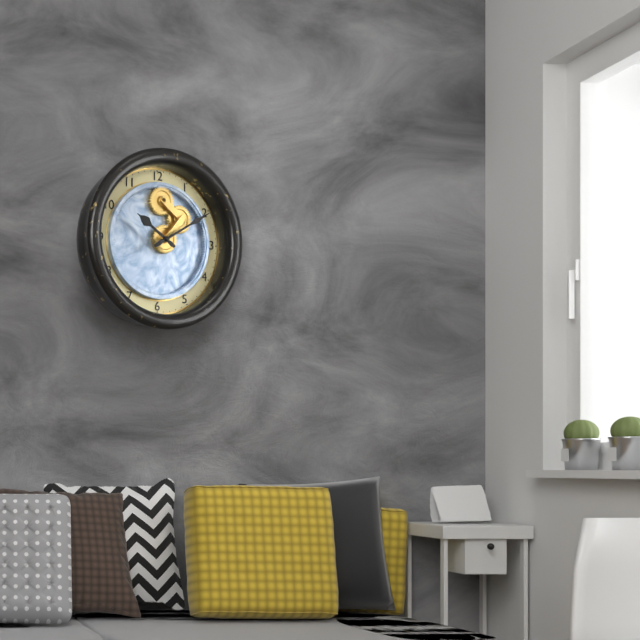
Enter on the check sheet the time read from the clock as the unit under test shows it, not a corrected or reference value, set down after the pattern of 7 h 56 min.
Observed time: 10 h 10 min
